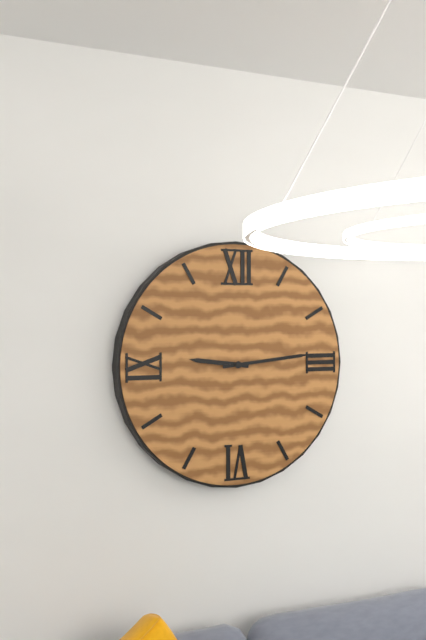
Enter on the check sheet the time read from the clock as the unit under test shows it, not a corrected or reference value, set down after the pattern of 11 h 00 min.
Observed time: 9 h 14 min
